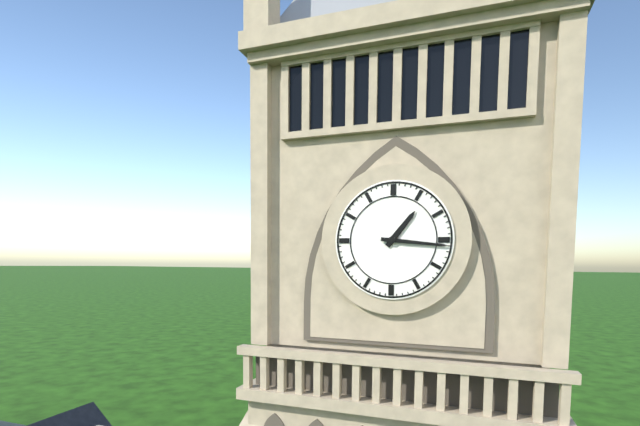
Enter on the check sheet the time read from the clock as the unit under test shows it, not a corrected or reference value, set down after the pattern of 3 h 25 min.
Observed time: 1 h 16 min
